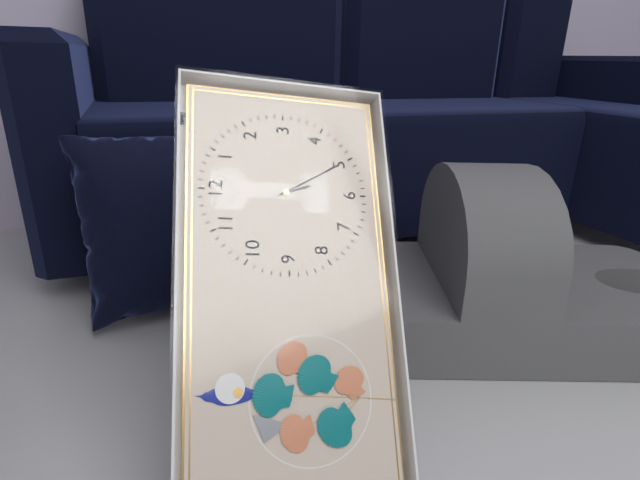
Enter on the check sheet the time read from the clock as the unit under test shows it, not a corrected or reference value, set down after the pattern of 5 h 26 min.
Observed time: 5 h 25 min
